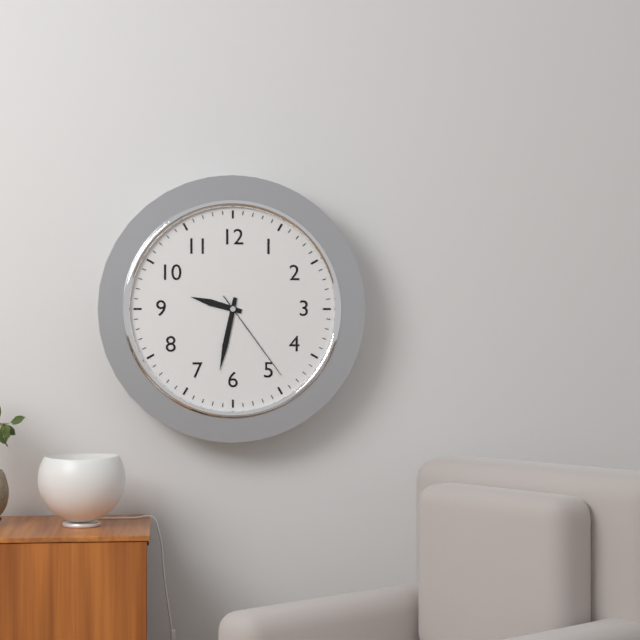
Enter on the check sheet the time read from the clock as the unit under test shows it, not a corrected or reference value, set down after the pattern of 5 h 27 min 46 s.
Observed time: 9 h 32 min 24 s
